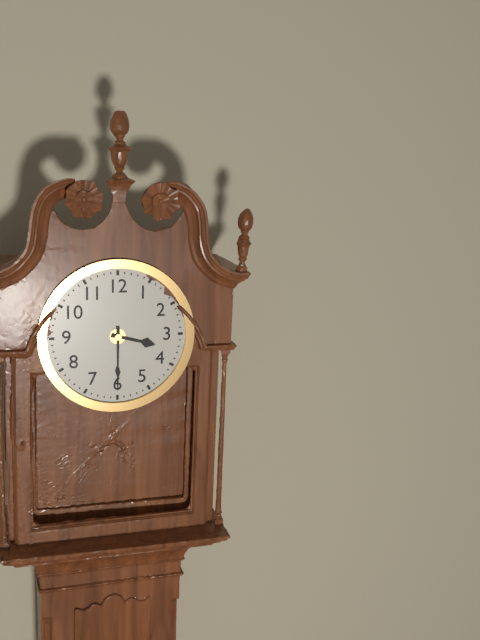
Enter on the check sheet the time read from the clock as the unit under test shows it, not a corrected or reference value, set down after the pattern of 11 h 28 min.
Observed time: 3 h 30 min
